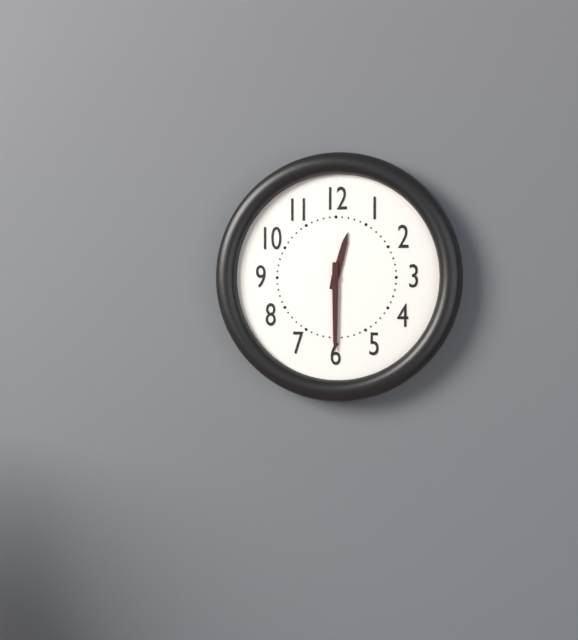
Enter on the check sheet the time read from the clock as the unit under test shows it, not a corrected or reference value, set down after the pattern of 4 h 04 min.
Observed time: 12 h 30 min
